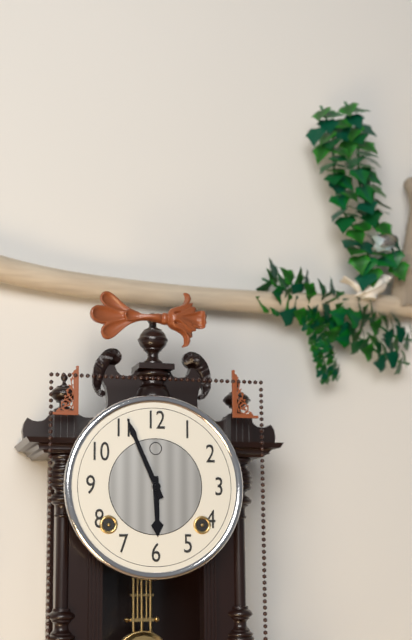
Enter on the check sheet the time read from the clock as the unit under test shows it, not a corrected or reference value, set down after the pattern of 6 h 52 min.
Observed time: 5 h 56 min
